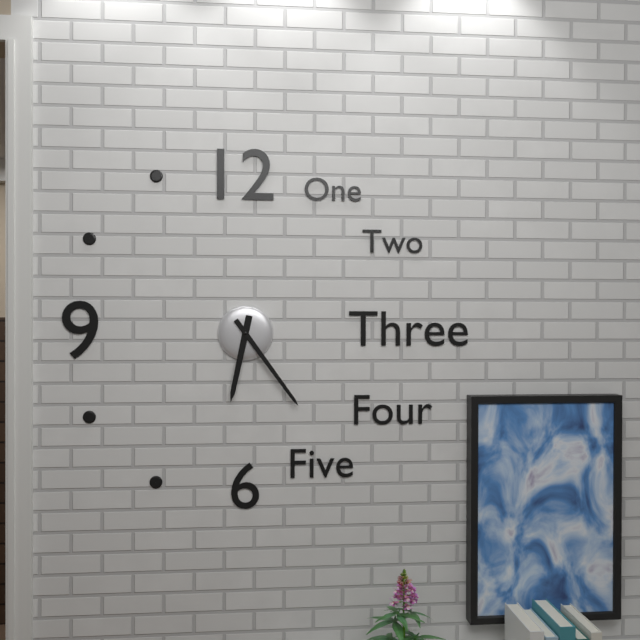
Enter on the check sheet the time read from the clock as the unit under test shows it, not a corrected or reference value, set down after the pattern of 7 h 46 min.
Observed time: 6 h 24 min
